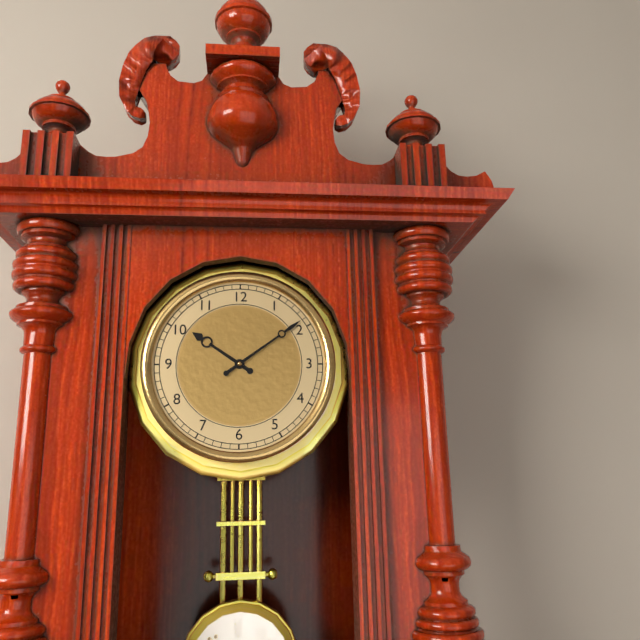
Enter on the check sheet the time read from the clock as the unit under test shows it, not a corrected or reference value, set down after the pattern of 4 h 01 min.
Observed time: 10 h 09 min
